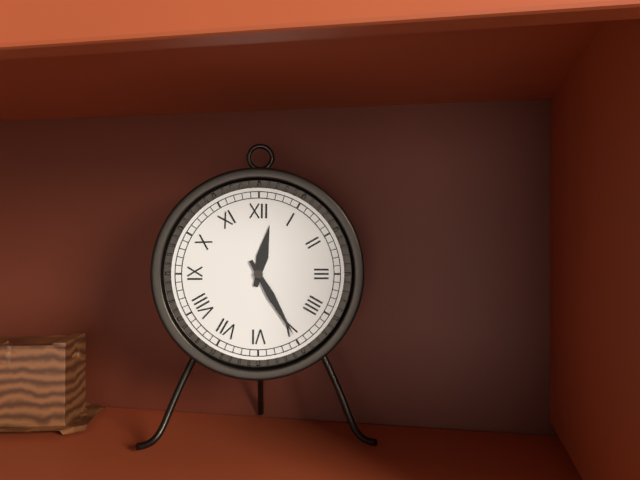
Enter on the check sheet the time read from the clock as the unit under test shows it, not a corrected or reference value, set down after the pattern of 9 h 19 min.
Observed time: 12 h 25 min
